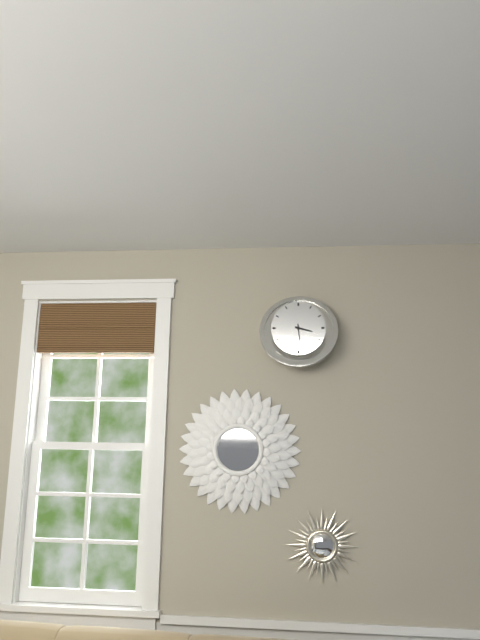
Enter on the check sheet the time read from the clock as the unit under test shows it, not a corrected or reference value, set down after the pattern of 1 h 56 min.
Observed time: 3 h 29 min
